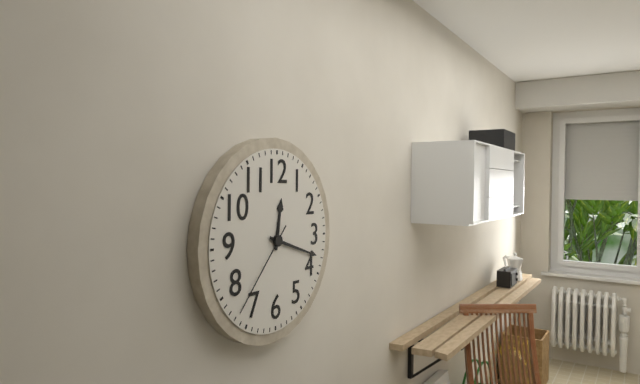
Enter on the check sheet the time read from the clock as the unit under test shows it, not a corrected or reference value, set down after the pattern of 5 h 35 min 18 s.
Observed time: 12 h 18 min 37 s
